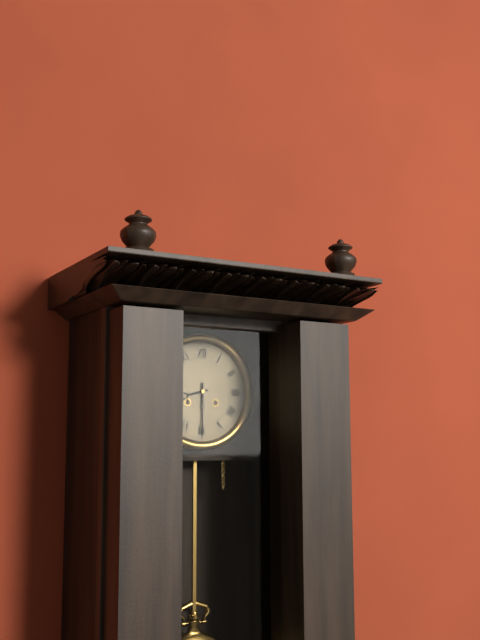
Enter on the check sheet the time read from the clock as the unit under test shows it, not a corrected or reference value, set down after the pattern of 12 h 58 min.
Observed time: 8 h 30 min
